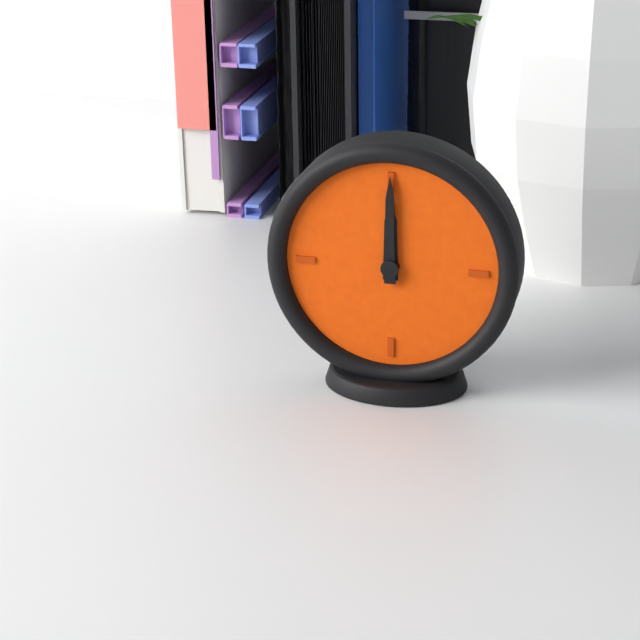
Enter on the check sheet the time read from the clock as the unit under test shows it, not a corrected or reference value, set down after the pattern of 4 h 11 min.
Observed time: 12 h 00 min
